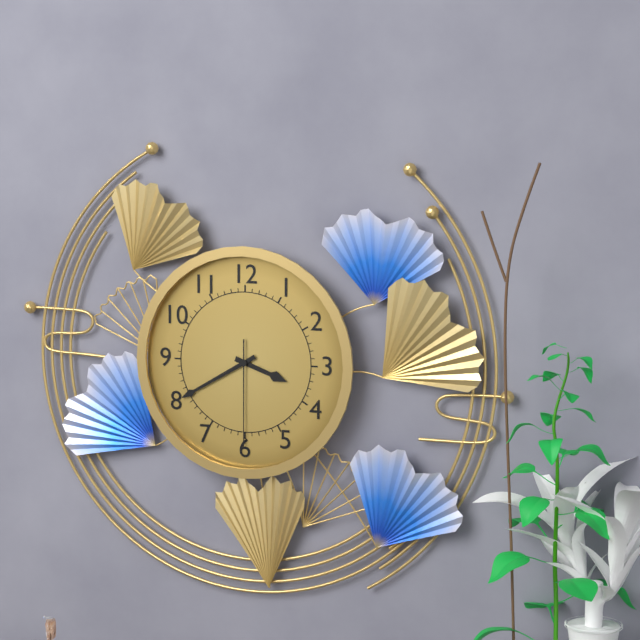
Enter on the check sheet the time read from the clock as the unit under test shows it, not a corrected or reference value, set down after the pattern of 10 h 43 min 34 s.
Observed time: 3 h 40 min 30 s
